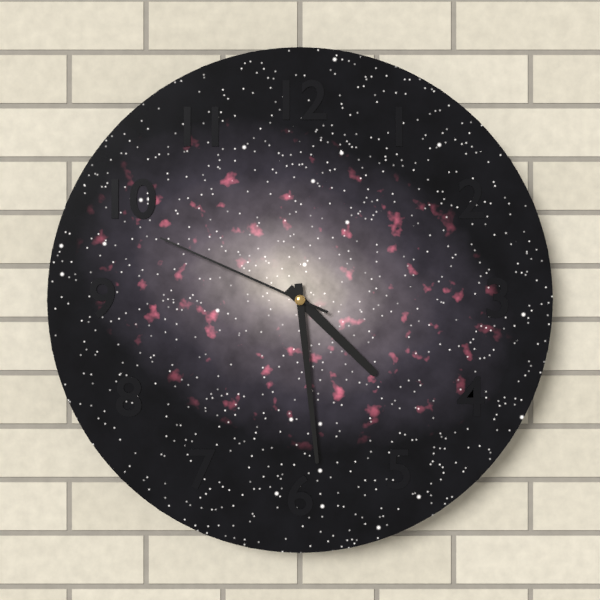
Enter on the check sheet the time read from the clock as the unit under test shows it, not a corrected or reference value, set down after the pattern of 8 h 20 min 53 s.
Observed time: 4 h 29 min 49 s
